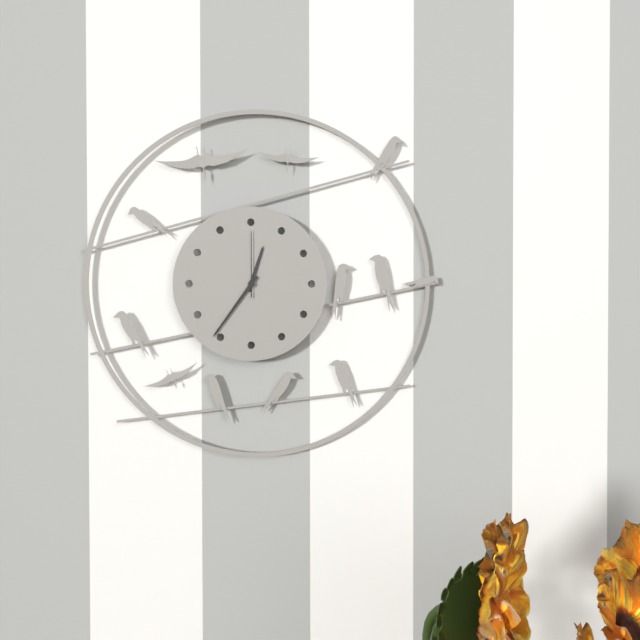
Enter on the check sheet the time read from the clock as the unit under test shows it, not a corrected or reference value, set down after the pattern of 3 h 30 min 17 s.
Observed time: 12 h 36 min 00 s
